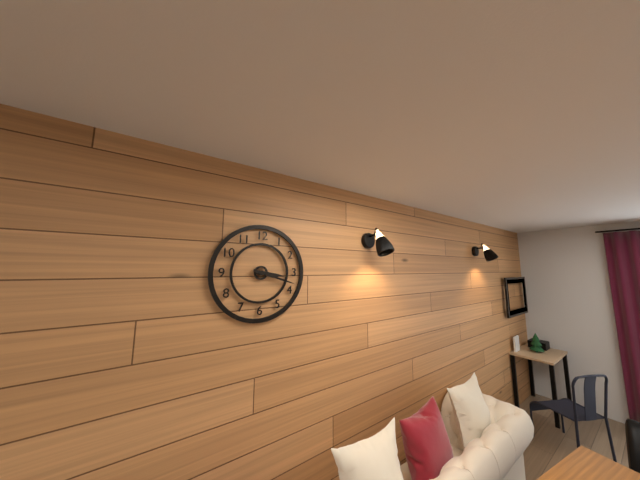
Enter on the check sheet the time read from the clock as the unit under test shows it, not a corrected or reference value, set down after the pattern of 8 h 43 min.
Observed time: 3 h 18 min
